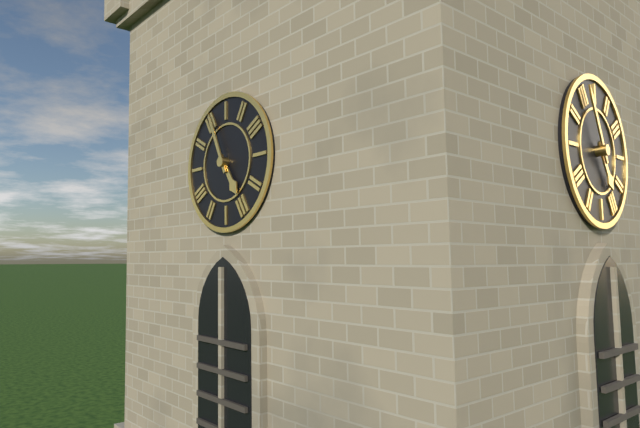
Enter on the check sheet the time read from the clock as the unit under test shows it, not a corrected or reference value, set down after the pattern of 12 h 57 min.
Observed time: 4 h 56 min
